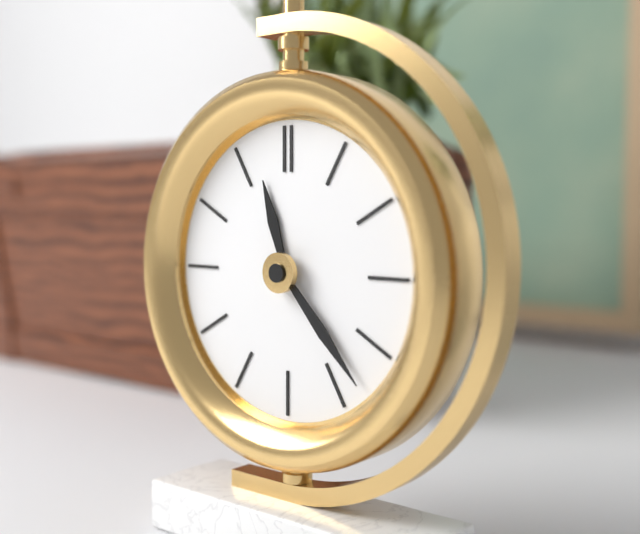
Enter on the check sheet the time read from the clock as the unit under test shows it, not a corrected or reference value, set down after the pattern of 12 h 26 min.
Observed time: 11 h 23 min
